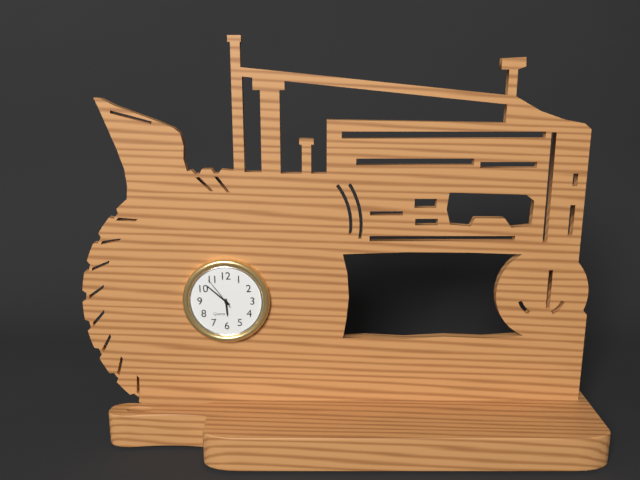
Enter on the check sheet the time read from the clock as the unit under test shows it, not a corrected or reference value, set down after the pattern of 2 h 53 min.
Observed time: 5 h 52 min
